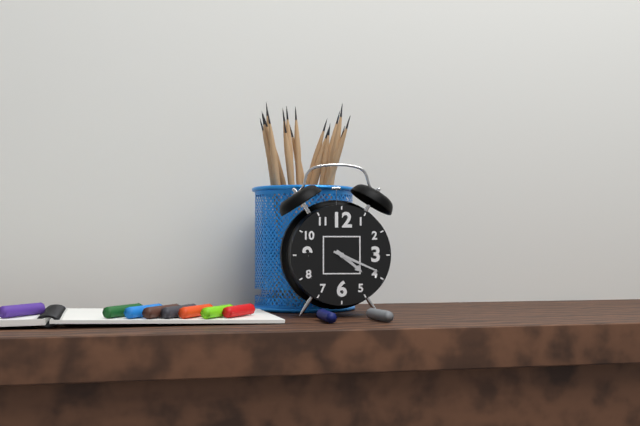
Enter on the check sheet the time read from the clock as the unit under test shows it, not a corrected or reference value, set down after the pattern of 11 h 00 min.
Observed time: 4 h 19 min
